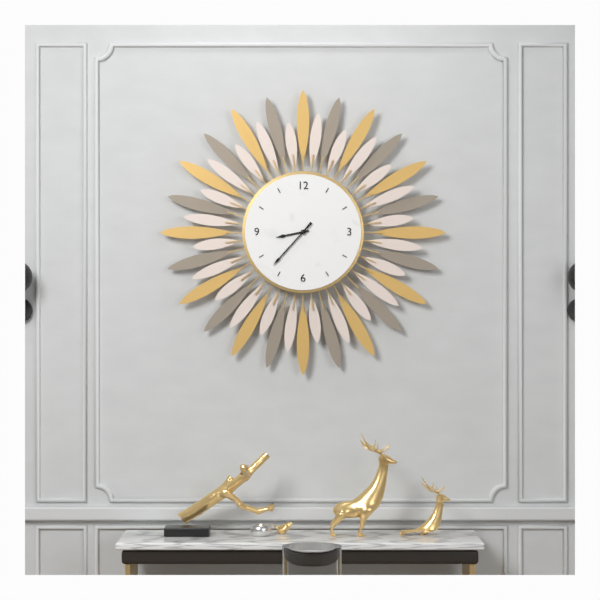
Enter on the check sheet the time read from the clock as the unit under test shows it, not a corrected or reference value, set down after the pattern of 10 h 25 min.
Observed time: 8 h 37 min
